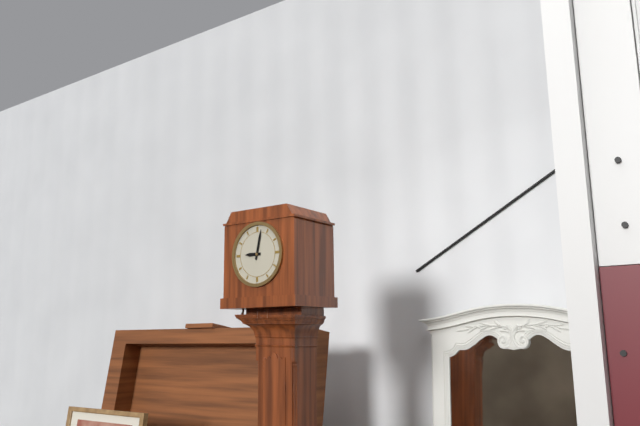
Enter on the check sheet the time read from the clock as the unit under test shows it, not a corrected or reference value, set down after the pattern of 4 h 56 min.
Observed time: 9 h 02 min
